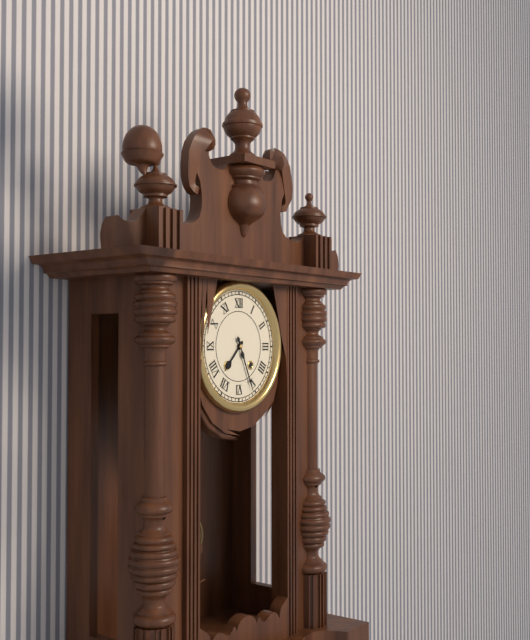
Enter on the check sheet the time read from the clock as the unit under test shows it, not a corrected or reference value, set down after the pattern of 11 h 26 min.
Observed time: 7 h 26 min
